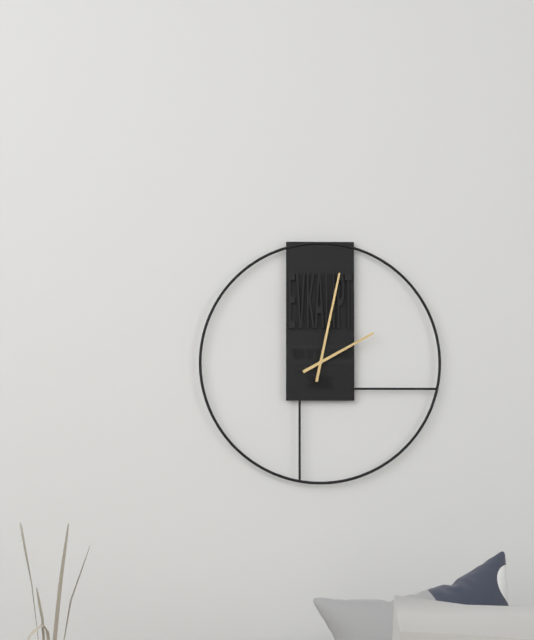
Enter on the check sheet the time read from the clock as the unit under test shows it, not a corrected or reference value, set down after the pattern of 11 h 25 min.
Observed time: 2 h 02 min
